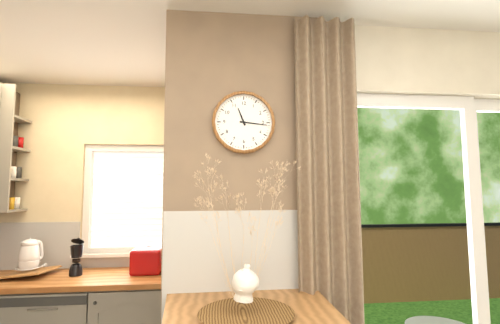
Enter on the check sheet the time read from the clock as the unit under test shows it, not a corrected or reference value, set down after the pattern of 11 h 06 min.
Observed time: 11 h 16 min
